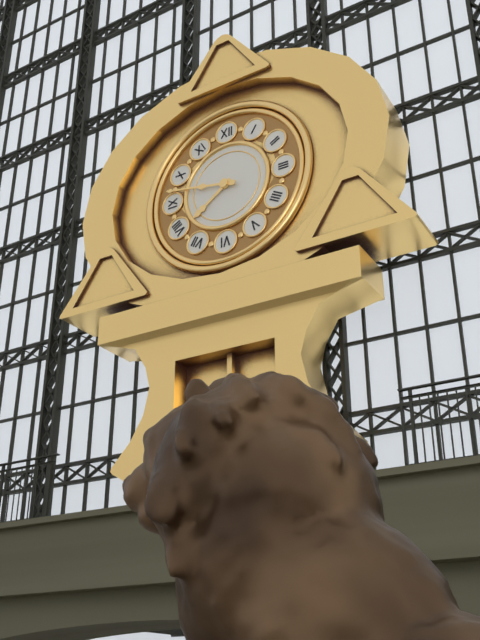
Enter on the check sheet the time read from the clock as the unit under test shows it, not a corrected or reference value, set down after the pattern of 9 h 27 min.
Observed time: 7 h 47 min
